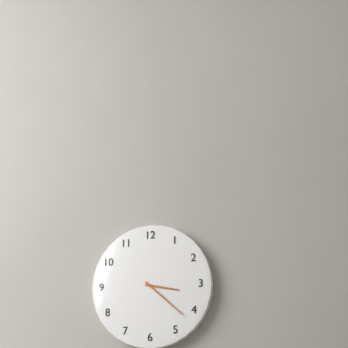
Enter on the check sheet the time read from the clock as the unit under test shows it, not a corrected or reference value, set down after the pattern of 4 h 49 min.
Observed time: 3 h 22 min
